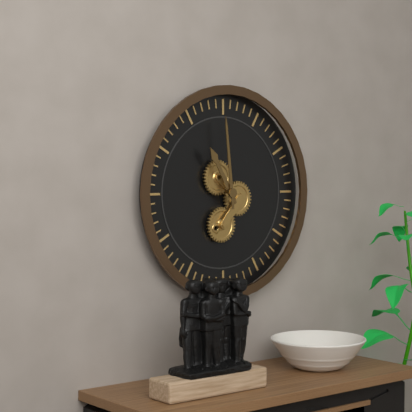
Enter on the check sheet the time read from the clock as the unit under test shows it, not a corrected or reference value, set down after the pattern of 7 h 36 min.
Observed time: 10 h 59 min
